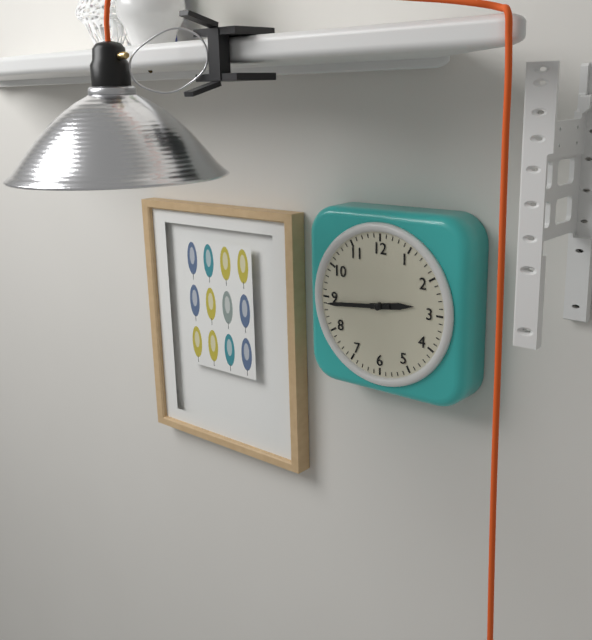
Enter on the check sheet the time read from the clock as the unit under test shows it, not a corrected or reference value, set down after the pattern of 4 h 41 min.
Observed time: 2 h 44 min
